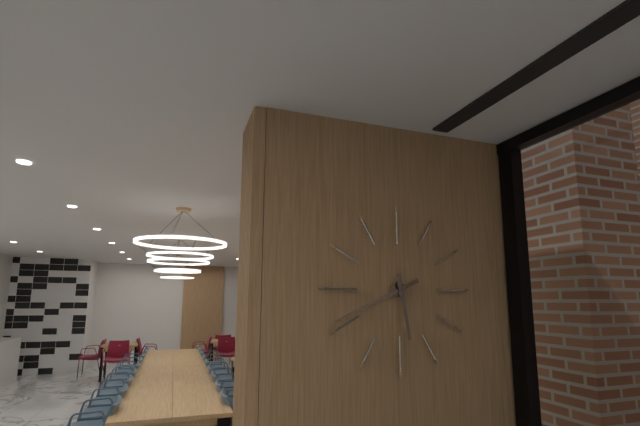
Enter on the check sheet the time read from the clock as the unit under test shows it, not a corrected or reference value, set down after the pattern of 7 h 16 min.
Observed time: 5 h 41 min
